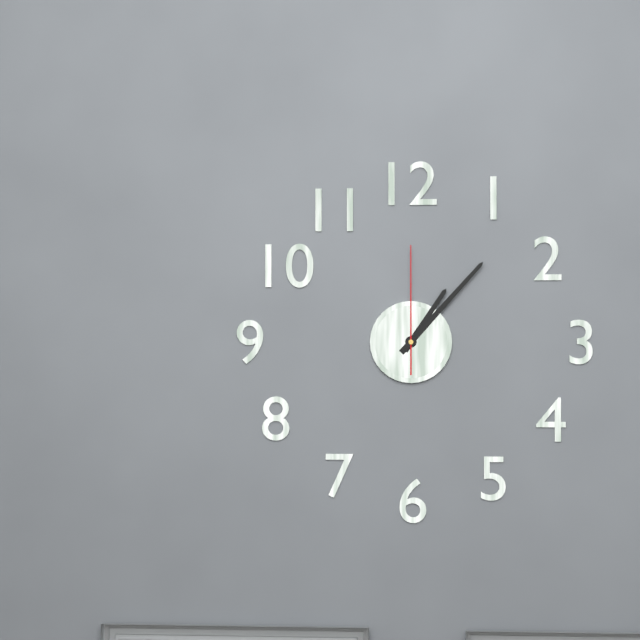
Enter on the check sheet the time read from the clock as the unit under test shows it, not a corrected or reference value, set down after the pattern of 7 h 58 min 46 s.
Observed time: 1 h 07 min 00 s
